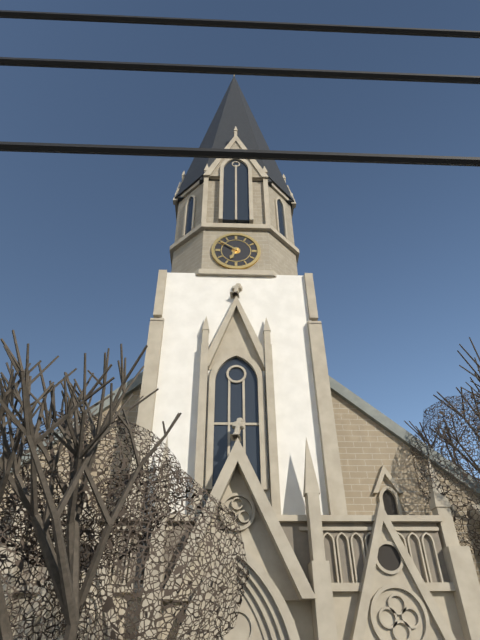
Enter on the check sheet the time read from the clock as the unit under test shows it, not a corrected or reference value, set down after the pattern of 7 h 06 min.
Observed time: 6 h 51 min
